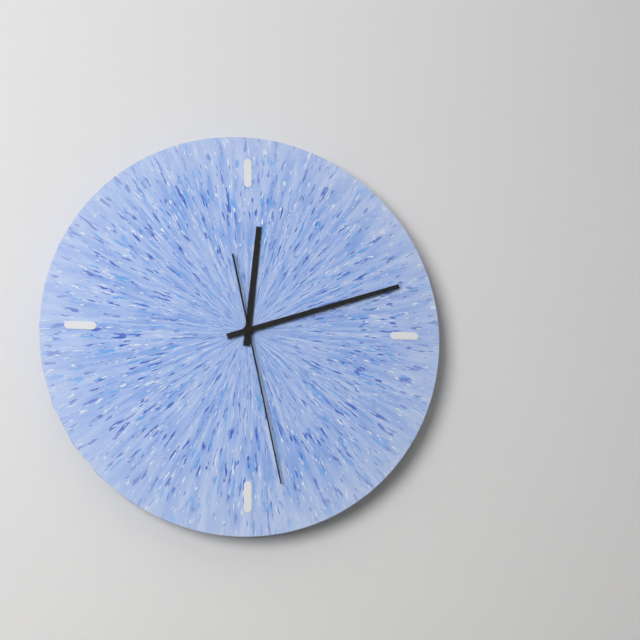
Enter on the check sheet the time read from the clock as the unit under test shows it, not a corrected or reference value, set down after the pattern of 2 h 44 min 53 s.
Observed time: 12 h 12 min 28 s
